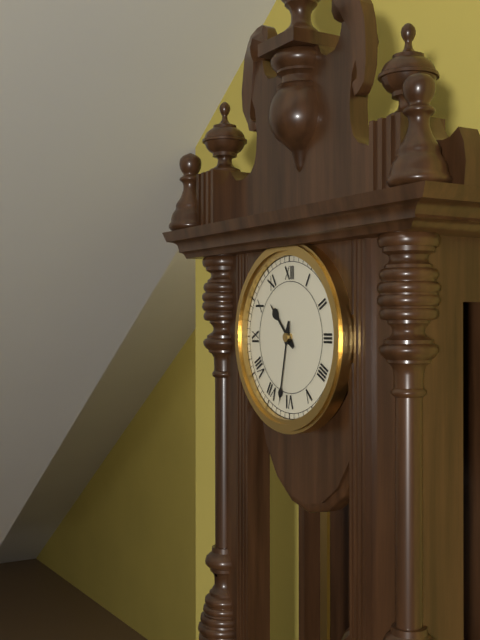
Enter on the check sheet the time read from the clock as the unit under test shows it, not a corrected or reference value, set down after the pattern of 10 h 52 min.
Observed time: 10 h 32 min
